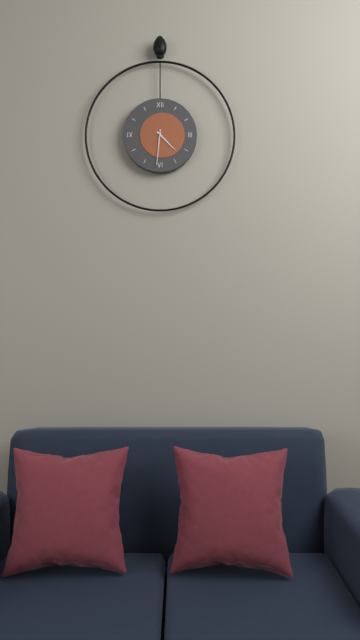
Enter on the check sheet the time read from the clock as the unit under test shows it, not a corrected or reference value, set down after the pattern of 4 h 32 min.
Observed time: 4 h 31 min
